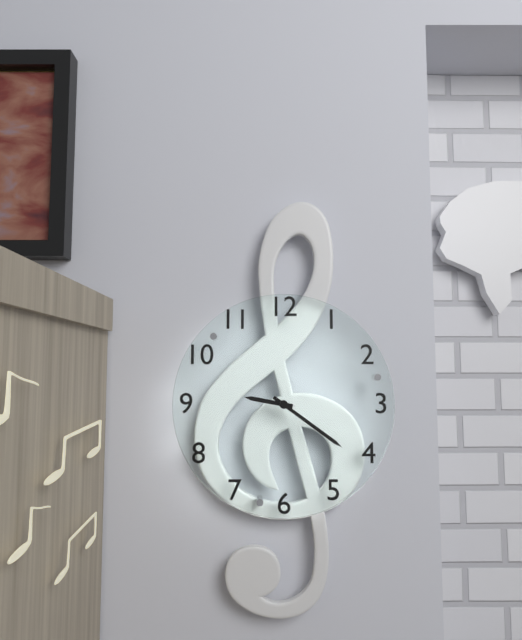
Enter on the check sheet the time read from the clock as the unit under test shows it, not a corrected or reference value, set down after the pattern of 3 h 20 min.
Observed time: 9 h 21 min
